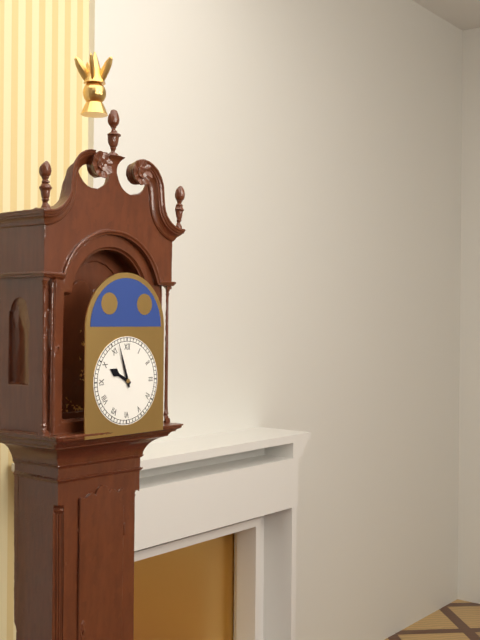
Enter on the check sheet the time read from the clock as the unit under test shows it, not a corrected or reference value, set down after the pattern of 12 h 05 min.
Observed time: 9 h 57 min
